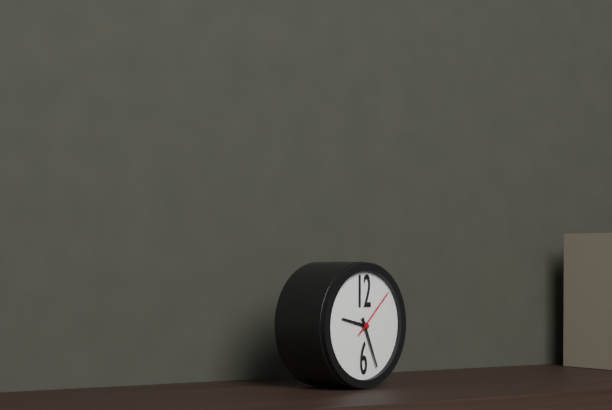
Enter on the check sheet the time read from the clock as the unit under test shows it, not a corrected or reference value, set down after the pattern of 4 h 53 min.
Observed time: 9 h 26 min
